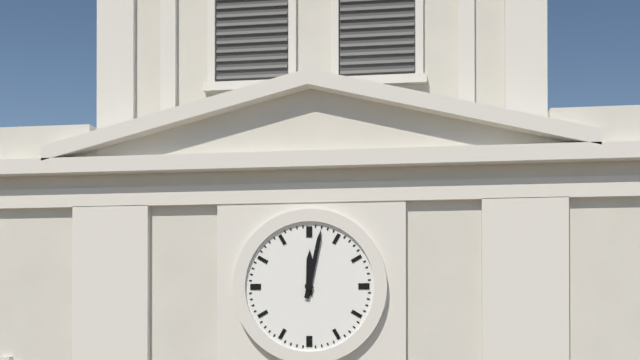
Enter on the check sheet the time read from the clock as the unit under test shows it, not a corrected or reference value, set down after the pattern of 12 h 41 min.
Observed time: 12 h 02 min
